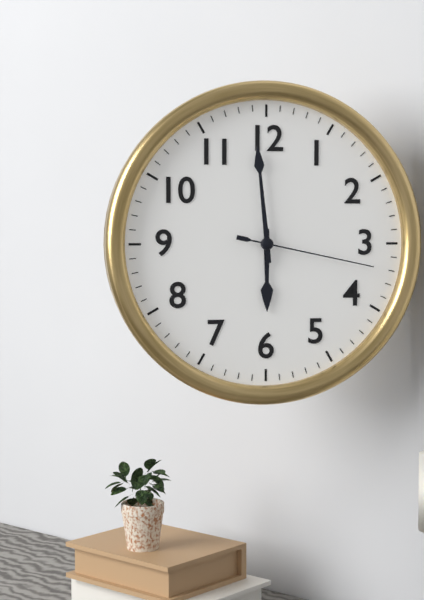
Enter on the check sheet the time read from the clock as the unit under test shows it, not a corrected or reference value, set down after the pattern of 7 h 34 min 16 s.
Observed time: 5 h 59 min 17 s
